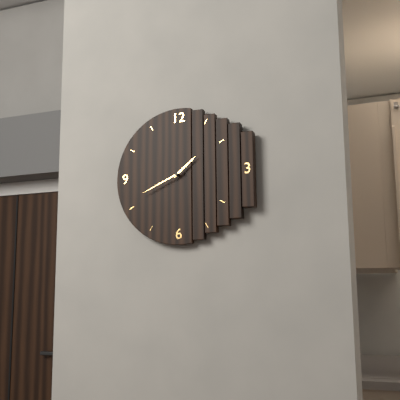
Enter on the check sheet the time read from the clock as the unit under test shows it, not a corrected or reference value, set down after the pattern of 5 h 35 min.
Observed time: 1 h 41 min
